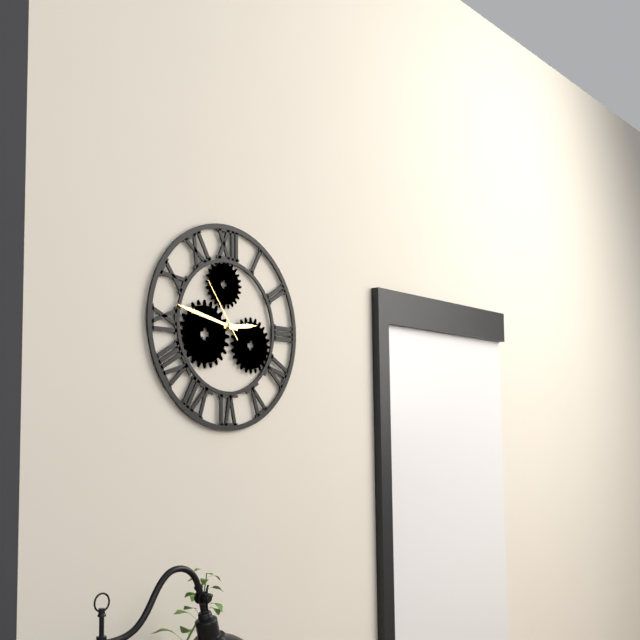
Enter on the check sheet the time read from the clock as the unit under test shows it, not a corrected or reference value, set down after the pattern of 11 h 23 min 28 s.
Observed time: 2 h 47 min 54 s
